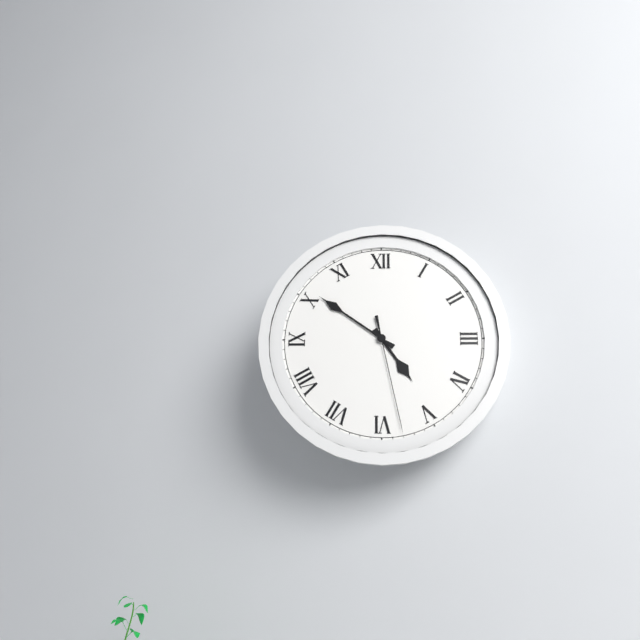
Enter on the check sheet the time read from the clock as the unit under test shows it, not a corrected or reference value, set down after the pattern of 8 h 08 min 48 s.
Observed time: 4 h 51 min 28 s
